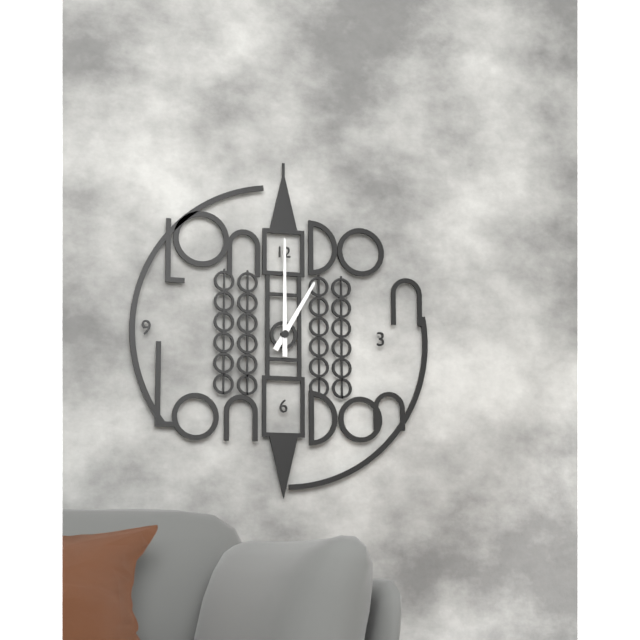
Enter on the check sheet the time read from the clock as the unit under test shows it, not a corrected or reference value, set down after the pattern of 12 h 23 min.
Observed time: 1 h 00 min
